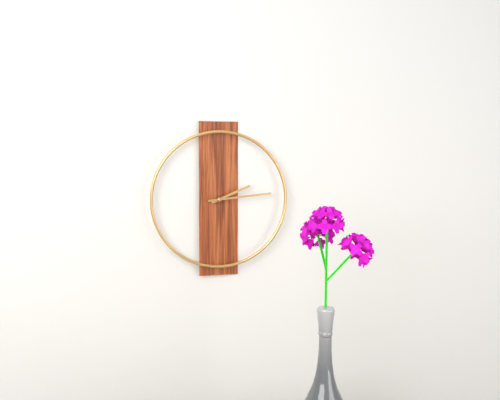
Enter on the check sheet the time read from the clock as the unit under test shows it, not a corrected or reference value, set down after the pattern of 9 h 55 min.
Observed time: 2 h 14 min
